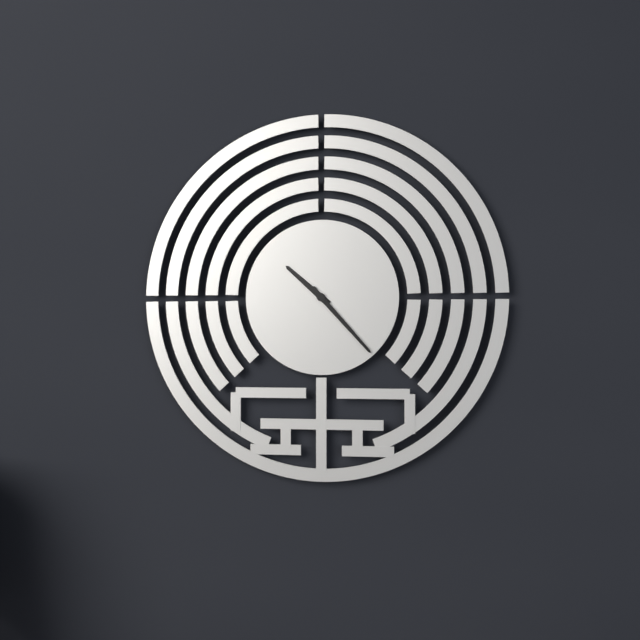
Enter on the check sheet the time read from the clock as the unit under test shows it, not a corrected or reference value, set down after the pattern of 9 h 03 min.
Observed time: 10 h 23 min
